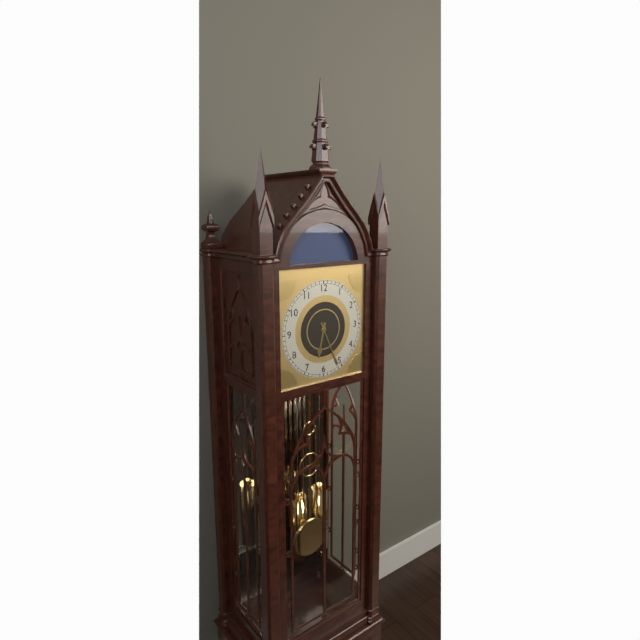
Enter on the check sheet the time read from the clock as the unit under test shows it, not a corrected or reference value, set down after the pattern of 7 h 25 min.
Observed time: 6 h 26 min
